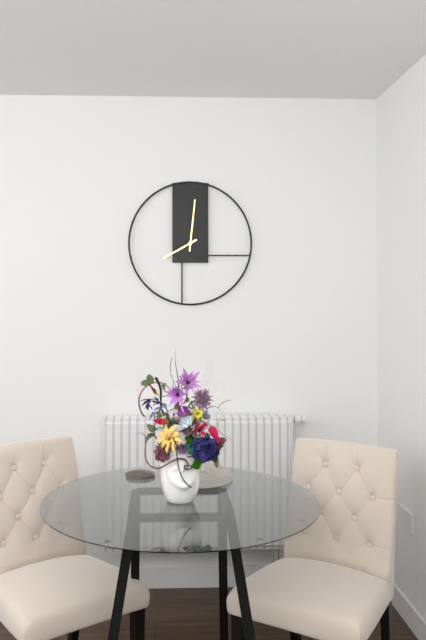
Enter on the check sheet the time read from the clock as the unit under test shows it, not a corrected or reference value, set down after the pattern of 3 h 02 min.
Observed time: 8 h 01 min
